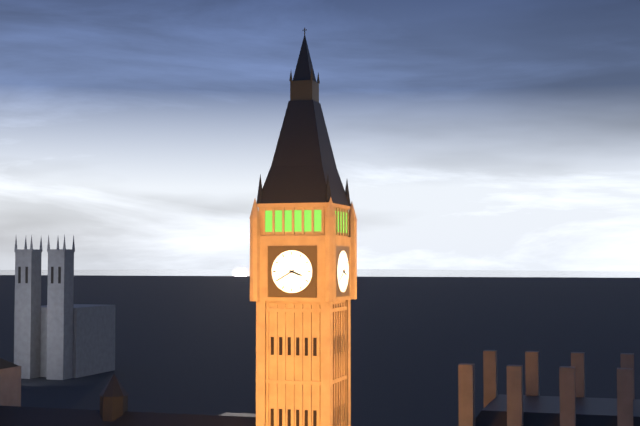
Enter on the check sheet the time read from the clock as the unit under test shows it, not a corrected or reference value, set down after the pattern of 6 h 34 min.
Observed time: 3 h 40 min
